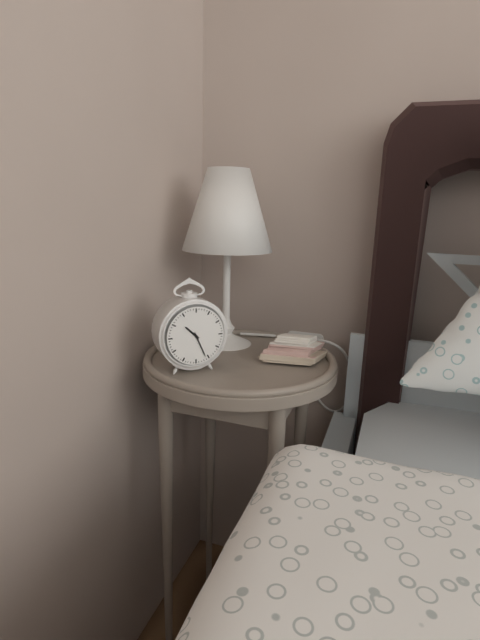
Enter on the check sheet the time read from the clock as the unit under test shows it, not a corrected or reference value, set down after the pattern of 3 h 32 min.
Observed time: 10 h 26 min
